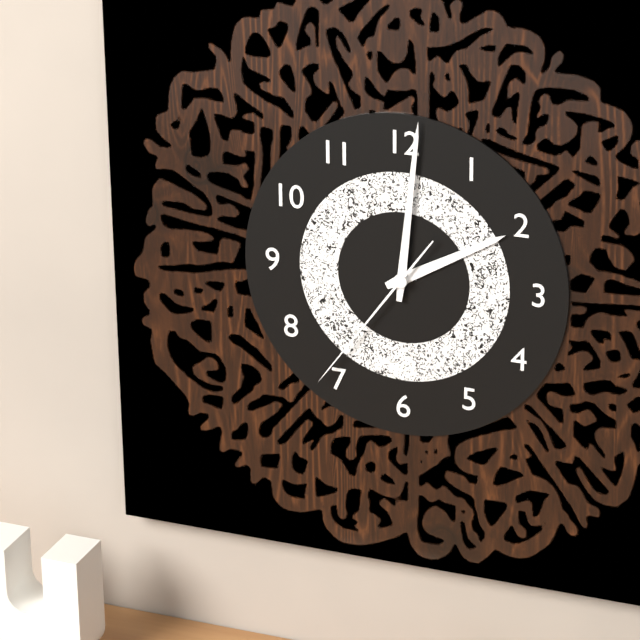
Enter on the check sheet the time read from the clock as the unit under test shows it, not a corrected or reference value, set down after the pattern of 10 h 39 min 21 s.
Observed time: 2 h 01 min 36 s
